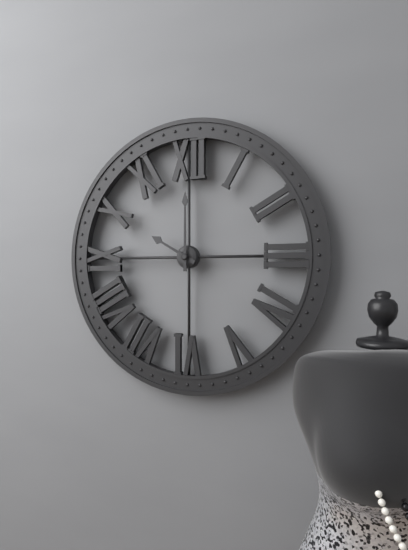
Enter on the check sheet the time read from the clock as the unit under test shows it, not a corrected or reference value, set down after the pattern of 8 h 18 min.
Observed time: 10 h 00 min
